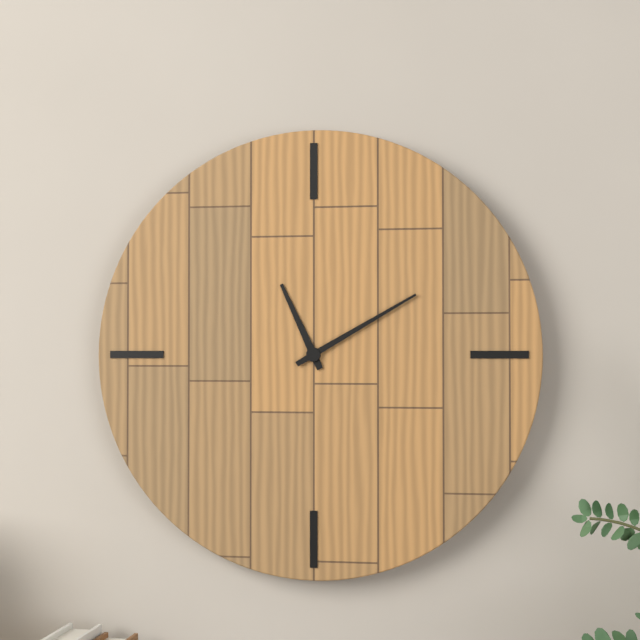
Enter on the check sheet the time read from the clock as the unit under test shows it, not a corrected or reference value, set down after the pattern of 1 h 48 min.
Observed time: 11 h 10 min
